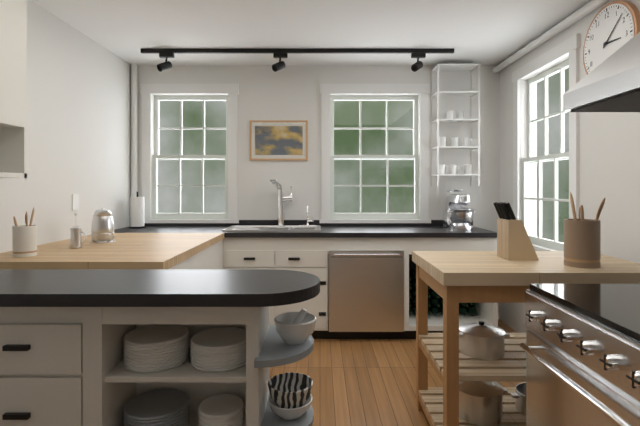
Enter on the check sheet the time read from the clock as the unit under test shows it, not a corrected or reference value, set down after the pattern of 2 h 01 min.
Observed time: 3 h 08 min
